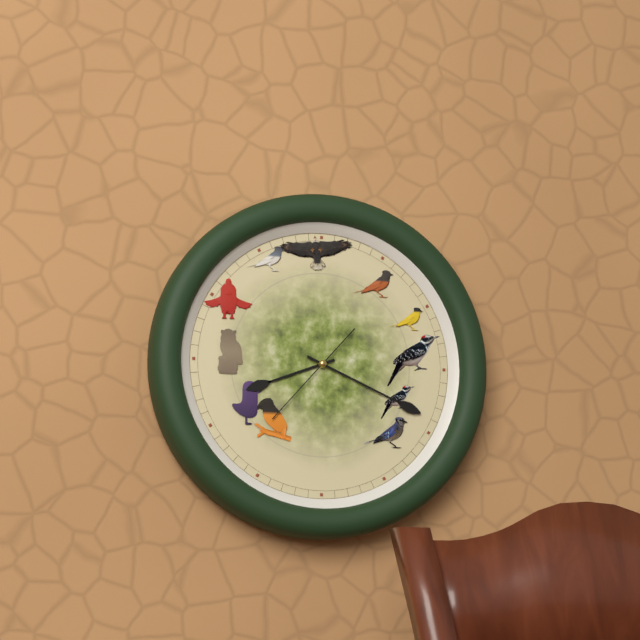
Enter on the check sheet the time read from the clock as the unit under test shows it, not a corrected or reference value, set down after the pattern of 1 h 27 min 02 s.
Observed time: 8 h 19 min 37 s
